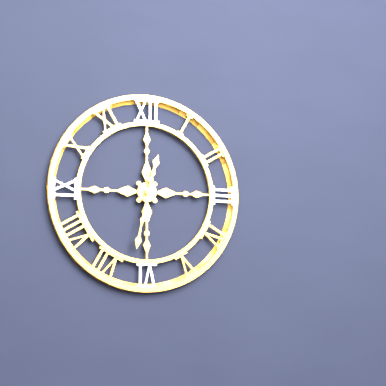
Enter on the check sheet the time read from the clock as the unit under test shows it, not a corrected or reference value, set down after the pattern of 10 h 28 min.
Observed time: 12 h 32 min
